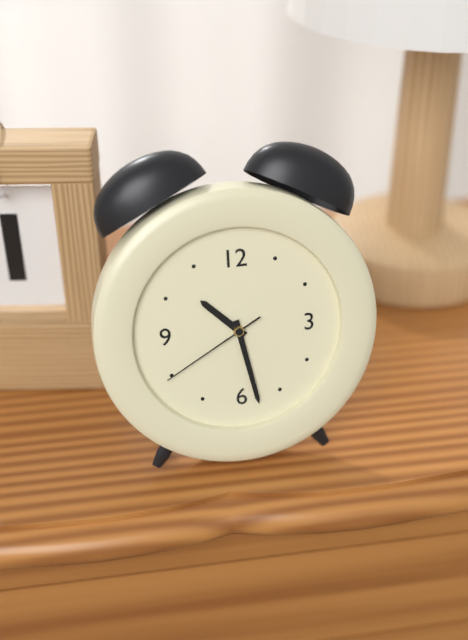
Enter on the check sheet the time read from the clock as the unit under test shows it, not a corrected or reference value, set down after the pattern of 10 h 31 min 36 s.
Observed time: 10 h 28 min 40 s
